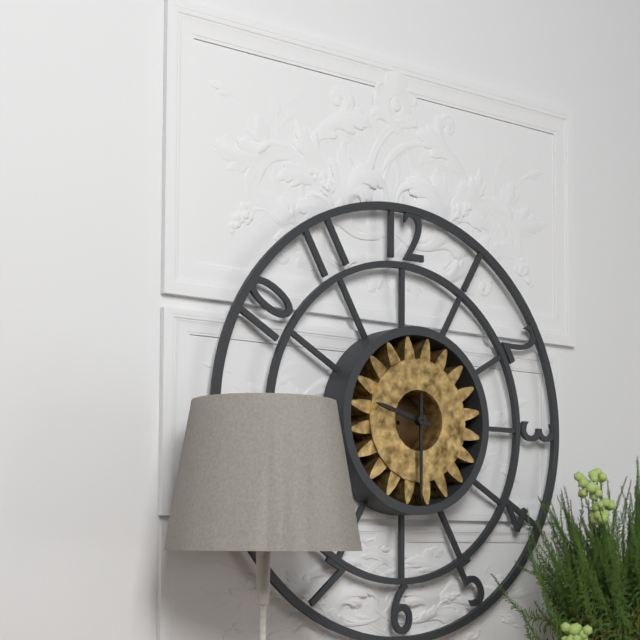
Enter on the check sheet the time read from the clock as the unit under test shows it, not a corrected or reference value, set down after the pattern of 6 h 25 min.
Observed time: 9 h 30 min
